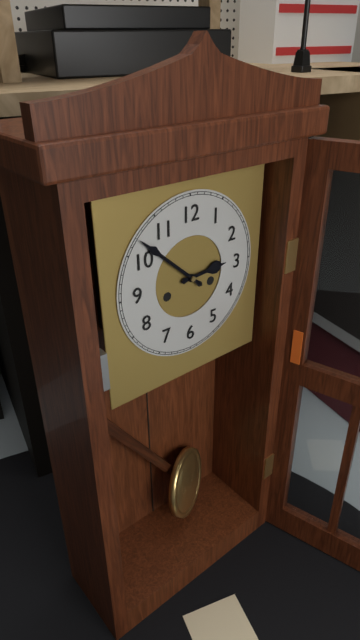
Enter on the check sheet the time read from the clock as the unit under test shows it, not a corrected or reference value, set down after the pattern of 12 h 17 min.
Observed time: 2 h 52 min
